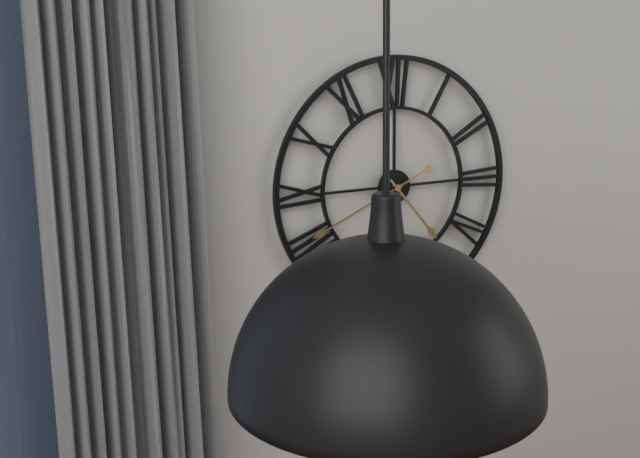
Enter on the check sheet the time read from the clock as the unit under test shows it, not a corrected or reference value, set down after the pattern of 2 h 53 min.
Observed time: 4 h 41 min
